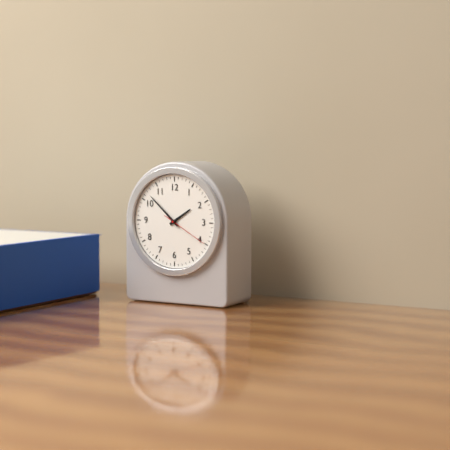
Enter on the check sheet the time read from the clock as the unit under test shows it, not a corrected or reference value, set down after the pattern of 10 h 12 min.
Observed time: 1 h 52 min
